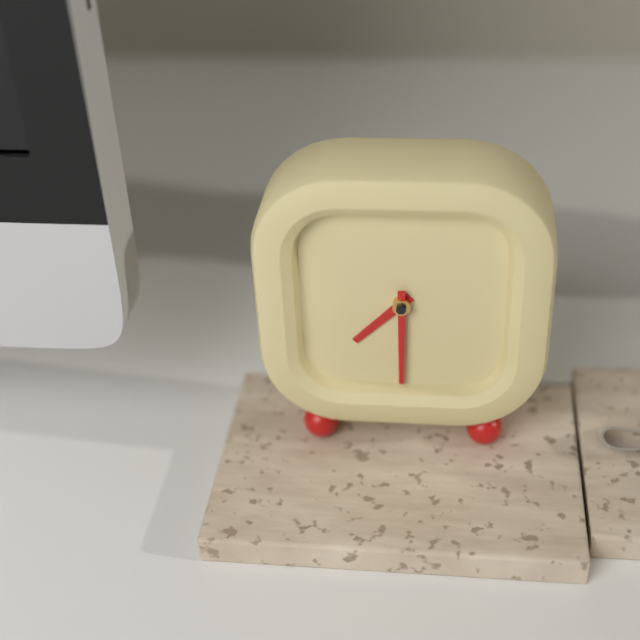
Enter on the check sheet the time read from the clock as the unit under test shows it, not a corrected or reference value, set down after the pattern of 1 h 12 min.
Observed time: 7 h 30 min
